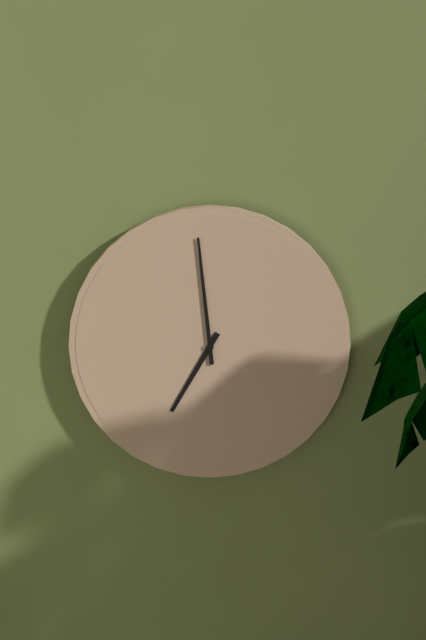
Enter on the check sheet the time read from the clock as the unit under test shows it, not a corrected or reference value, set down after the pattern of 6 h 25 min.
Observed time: 6 h 59 min
